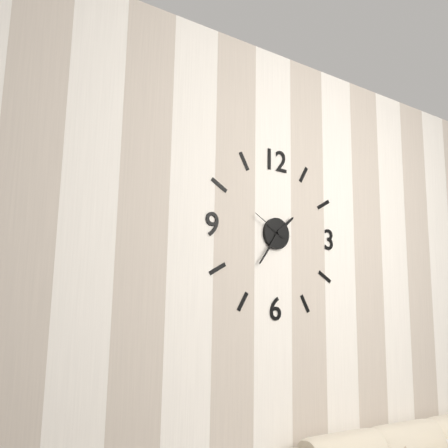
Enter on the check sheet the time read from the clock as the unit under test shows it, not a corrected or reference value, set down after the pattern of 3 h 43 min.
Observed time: 1 h 36 min
